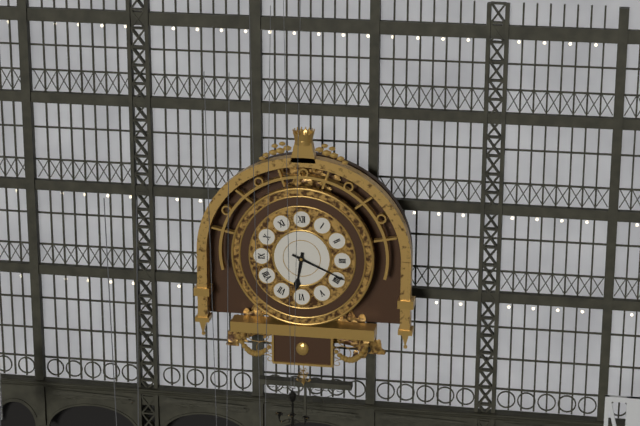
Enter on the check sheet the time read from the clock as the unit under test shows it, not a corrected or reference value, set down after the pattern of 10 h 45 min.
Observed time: 6 h 19 min
